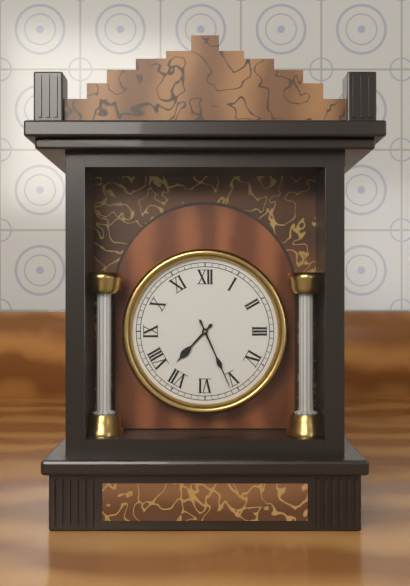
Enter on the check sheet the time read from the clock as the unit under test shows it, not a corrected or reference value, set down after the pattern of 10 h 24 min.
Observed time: 7 h 26 min
